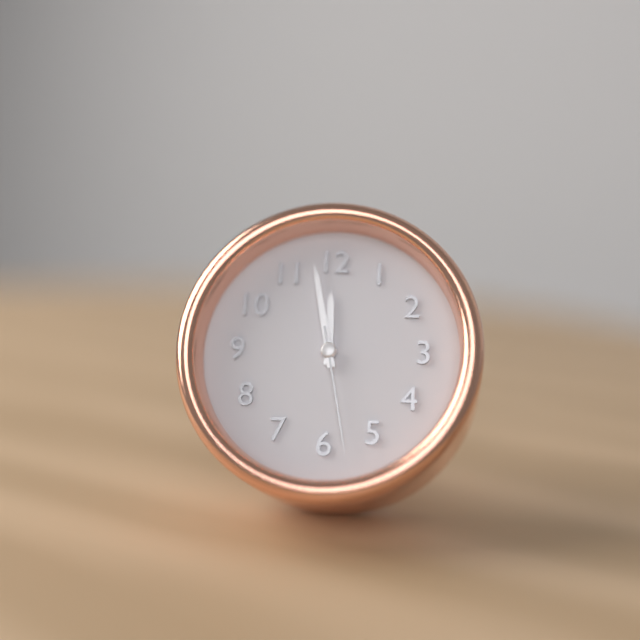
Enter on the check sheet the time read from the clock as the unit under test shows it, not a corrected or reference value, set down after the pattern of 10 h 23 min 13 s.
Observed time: 11 h 58 min 28 s
